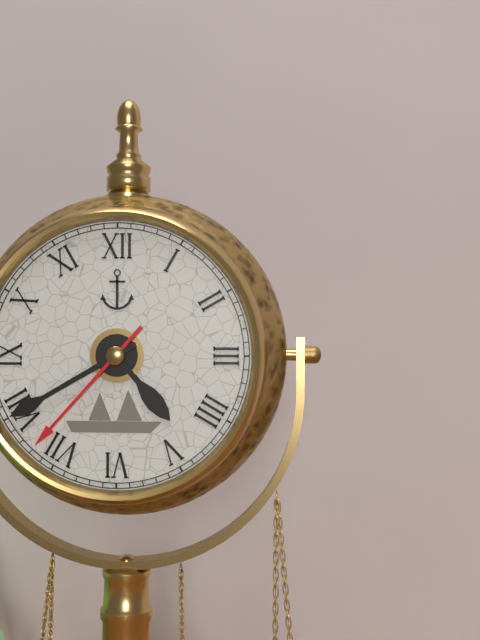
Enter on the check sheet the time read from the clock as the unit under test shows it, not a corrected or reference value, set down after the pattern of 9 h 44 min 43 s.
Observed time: 4 h 40 min 37 s
